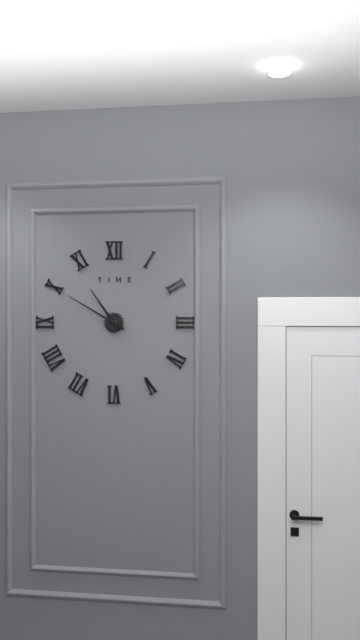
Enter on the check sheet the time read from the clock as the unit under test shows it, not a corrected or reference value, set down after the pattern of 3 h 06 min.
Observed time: 10 h 50 min
